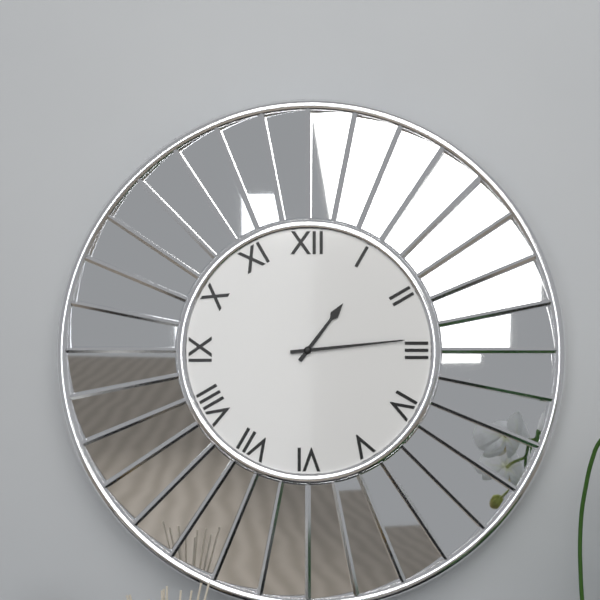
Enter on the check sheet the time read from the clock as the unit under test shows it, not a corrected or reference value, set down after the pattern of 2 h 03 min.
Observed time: 1 h 14 min
